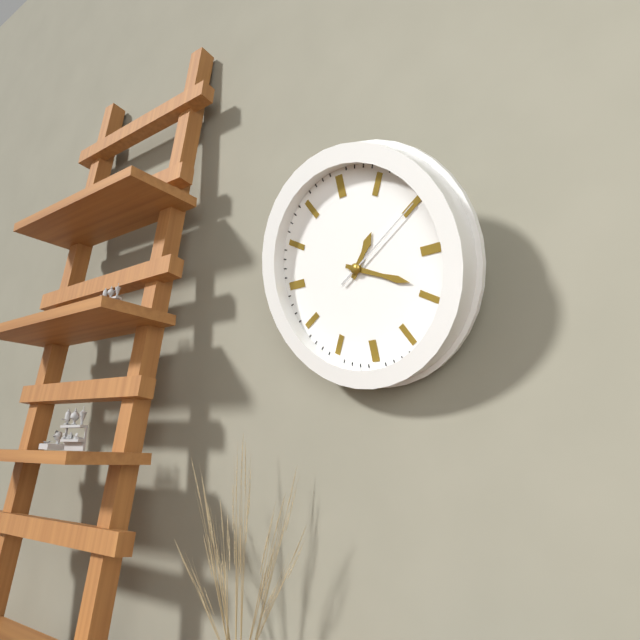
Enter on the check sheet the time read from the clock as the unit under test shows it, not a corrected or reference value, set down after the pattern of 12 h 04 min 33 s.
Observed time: 1 h 19 min 10 s
